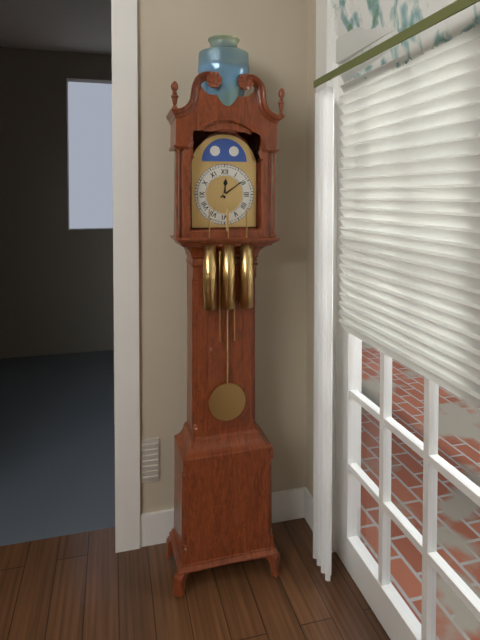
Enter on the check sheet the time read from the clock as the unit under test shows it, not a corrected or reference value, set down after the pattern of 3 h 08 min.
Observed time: 12 h 09 min
